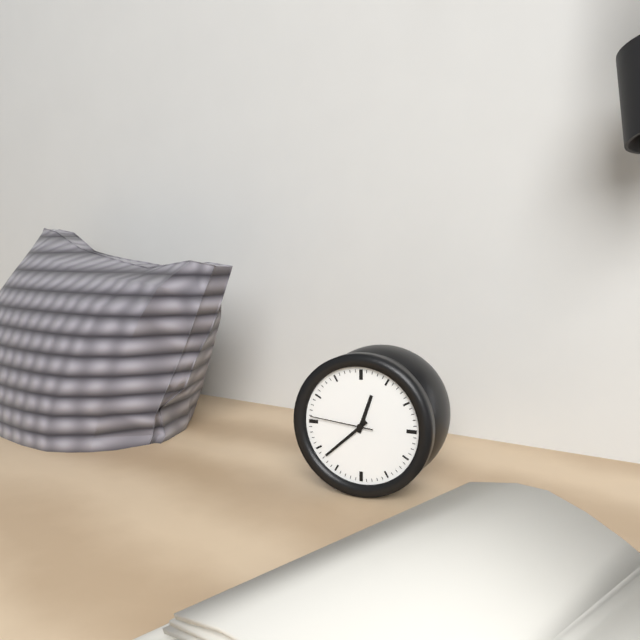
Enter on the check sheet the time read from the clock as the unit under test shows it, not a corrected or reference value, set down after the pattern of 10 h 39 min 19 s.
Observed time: 12 h 38 min 46 s
